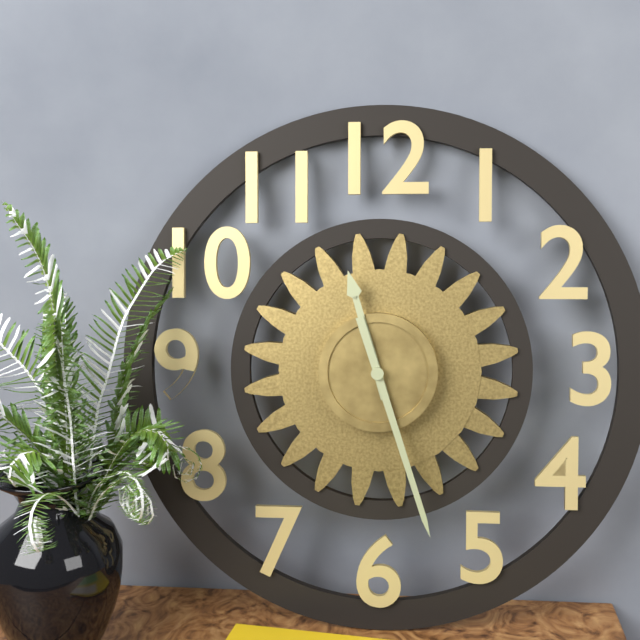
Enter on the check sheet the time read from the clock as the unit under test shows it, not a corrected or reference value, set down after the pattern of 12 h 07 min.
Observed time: 11 h 27 min
